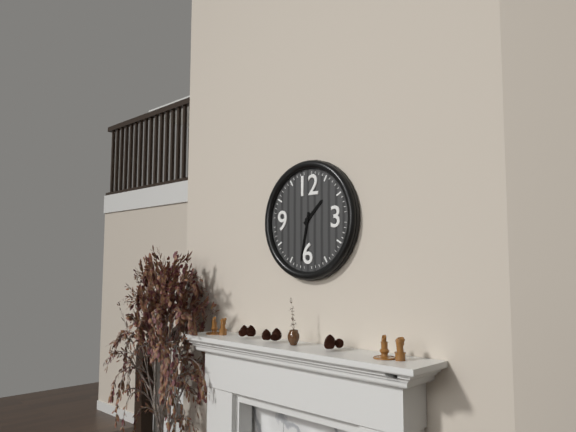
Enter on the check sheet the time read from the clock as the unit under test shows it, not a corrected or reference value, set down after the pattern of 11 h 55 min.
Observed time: 1 h 32 min
